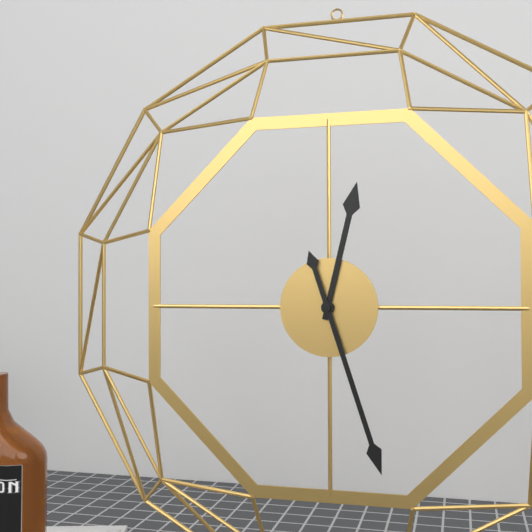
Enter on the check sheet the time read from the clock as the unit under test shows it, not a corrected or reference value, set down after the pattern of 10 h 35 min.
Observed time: 12 h 27 min
